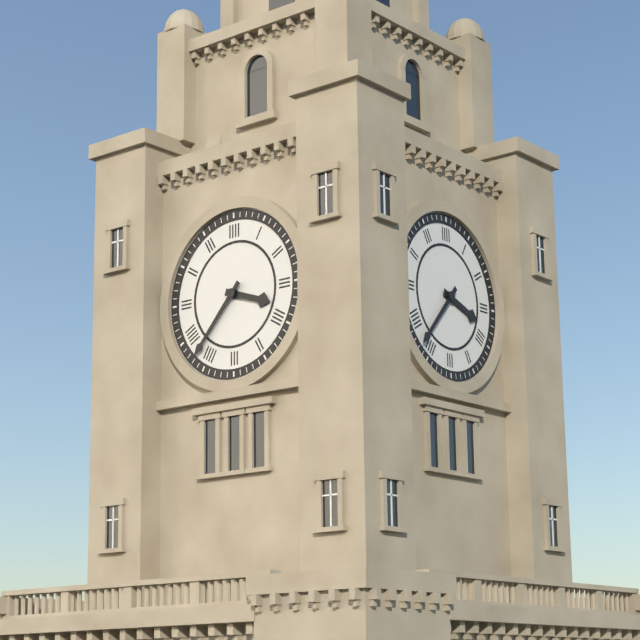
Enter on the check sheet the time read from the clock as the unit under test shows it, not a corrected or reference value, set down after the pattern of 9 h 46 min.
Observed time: 3 h 37 min
